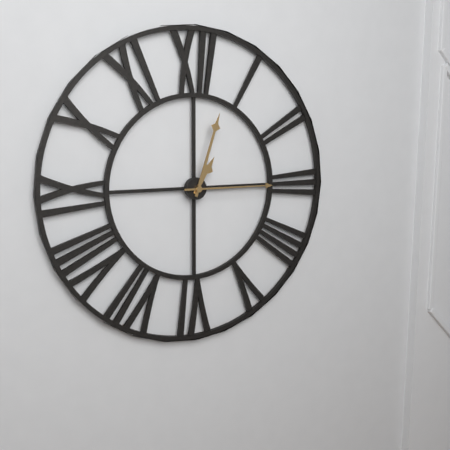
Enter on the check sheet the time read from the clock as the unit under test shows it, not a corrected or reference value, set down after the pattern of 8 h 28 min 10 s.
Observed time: 1 h 03 min 15 s
